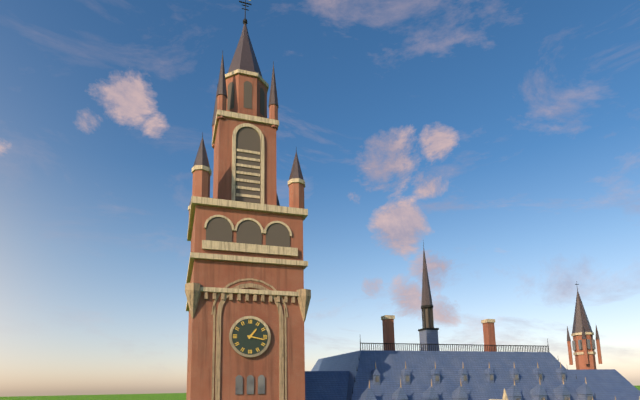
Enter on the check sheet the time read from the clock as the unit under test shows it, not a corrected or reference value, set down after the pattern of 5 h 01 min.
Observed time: 1 h 17 min
